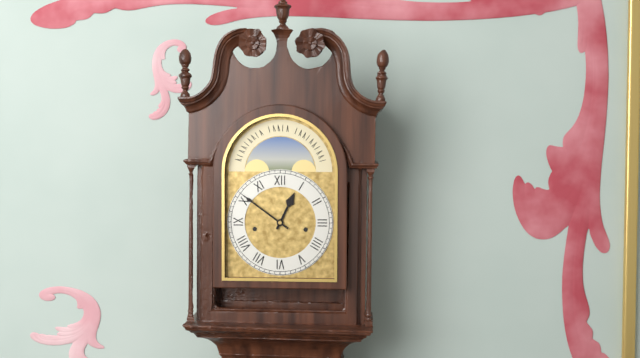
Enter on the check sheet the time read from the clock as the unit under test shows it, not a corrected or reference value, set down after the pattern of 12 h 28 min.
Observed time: 12 h 51 min
